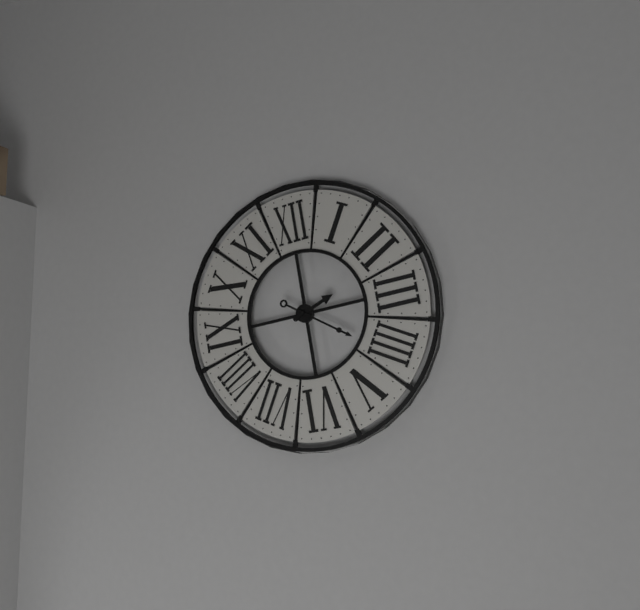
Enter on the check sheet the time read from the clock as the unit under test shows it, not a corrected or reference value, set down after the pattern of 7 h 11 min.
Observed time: 2 h 21 min
